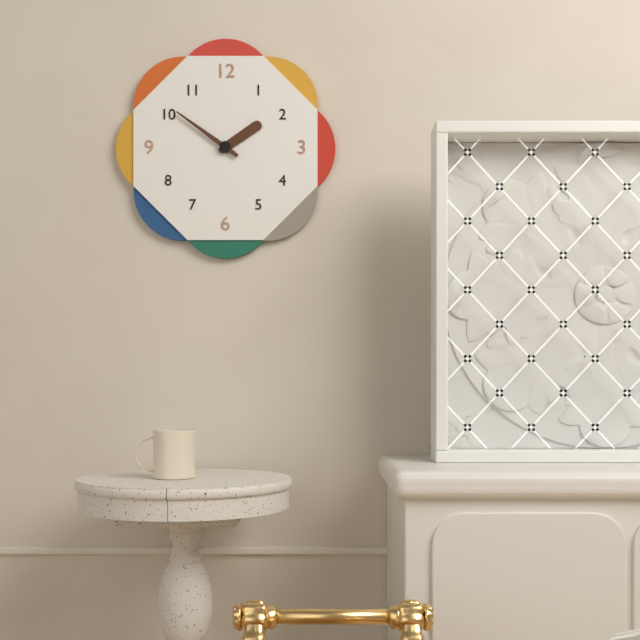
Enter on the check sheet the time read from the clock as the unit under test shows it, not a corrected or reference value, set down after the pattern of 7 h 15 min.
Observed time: 1 h 51 min
